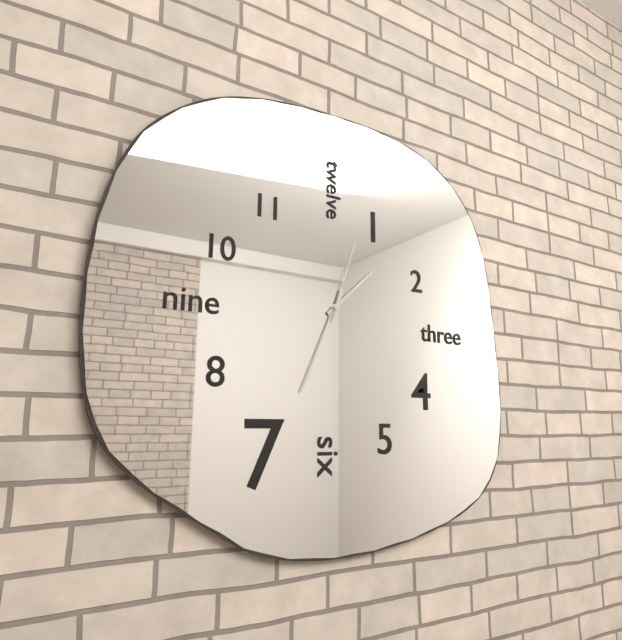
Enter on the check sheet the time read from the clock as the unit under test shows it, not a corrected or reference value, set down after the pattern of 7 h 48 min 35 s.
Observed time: 1 h 34 min 03 s
